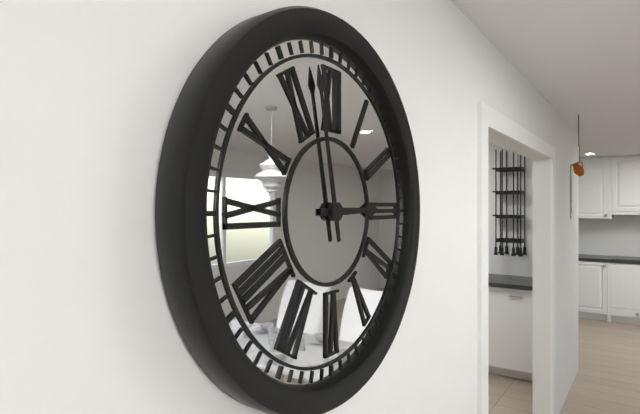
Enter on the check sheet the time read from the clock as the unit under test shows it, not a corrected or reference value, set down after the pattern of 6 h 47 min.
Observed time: 2 h 58 min
